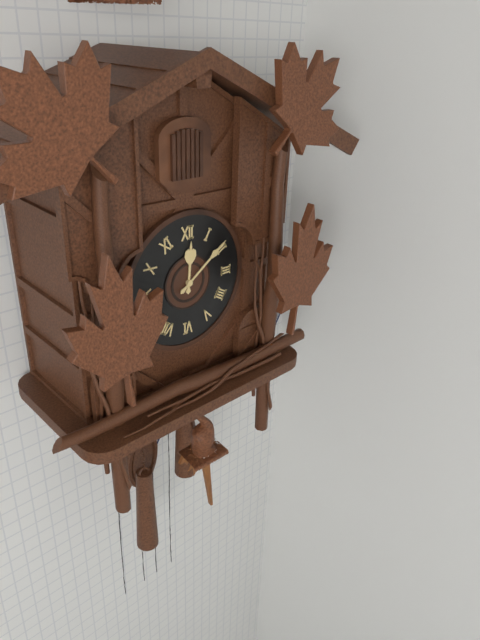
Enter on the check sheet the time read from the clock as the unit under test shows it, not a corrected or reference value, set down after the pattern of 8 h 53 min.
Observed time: 12 h 09 min
